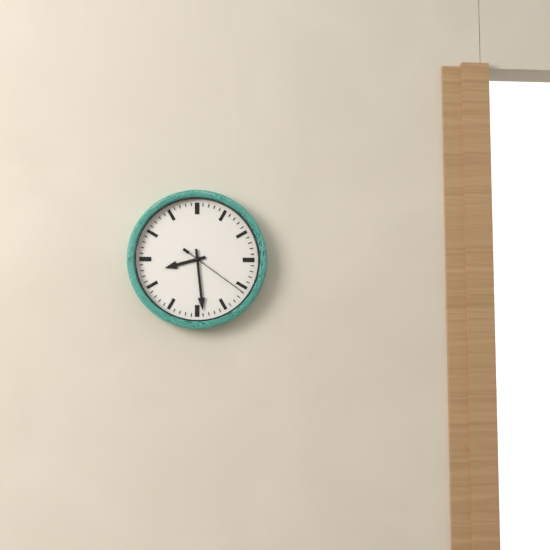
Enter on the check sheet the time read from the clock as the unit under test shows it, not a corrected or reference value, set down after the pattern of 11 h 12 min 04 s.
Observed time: 8 h 29 min 21 s
